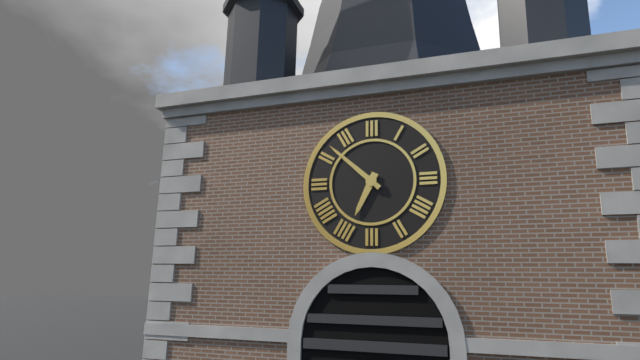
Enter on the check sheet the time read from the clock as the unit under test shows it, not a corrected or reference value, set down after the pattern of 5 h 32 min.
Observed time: 6 h 52 min
